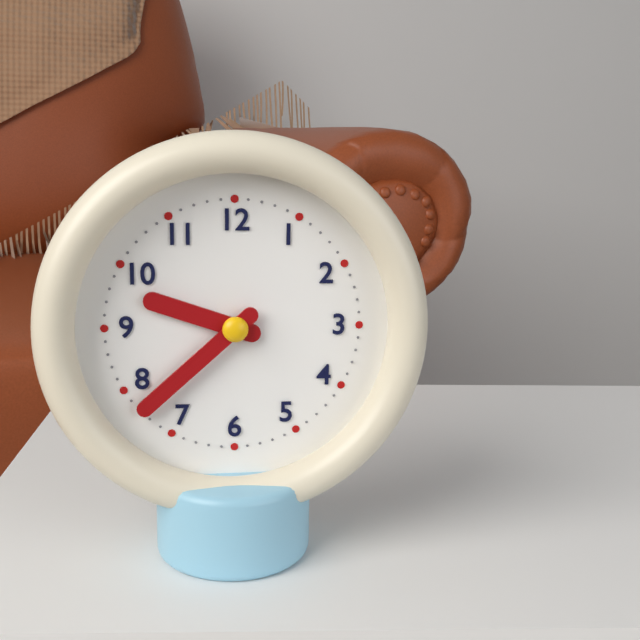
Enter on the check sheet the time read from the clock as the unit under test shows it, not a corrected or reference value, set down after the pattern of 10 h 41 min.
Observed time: 9 h 38 min
